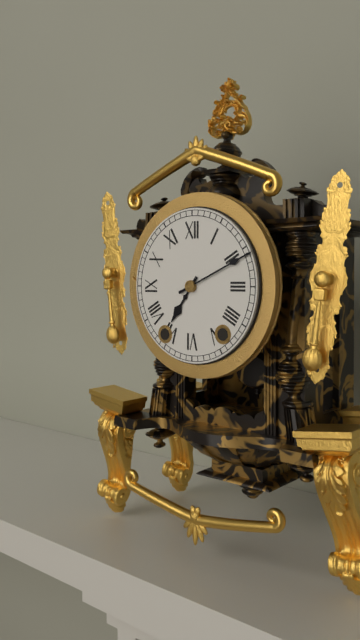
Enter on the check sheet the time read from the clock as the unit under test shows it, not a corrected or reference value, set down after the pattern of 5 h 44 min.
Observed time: 7 h 11 min
